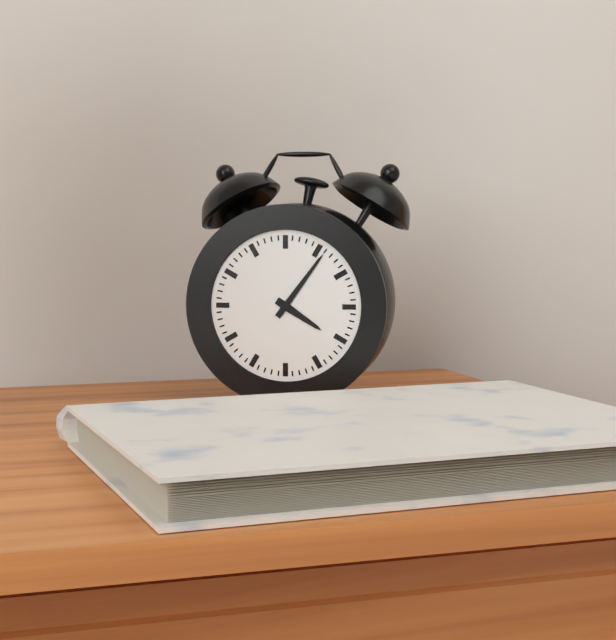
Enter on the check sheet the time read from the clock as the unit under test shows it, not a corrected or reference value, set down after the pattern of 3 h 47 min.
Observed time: 4 h 06 min
